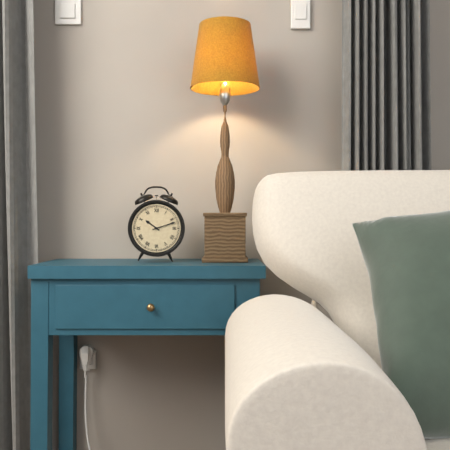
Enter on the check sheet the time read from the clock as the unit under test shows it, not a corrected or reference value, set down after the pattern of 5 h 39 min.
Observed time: 10 h 12 min
